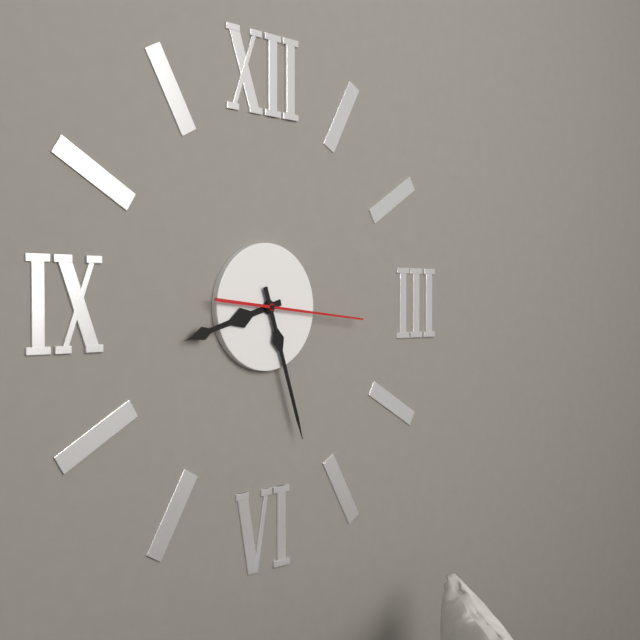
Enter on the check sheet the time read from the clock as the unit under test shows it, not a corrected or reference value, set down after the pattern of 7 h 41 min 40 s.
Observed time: 8 h 27 min 16 s
